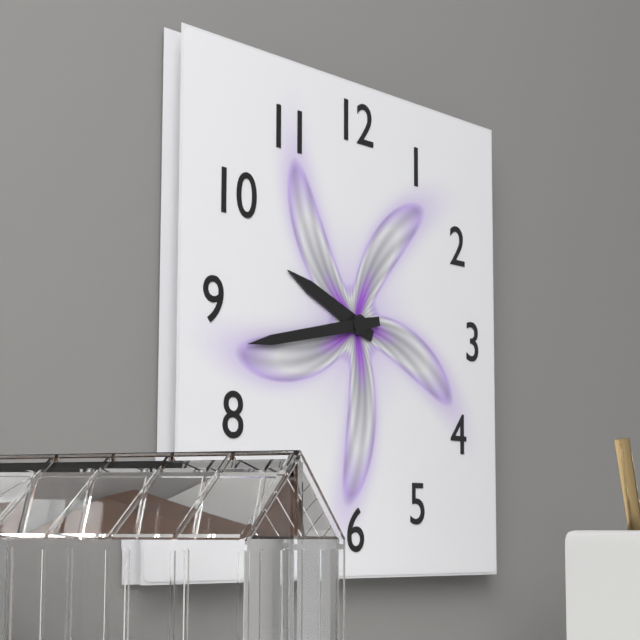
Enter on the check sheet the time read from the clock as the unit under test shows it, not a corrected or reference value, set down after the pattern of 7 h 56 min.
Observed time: 9 h 43 min
